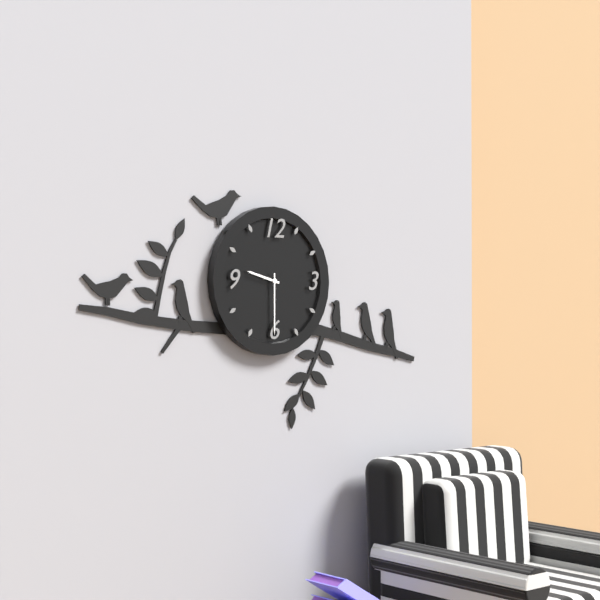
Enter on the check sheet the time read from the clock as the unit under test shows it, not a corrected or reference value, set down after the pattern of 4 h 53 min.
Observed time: 9 h 30 min
